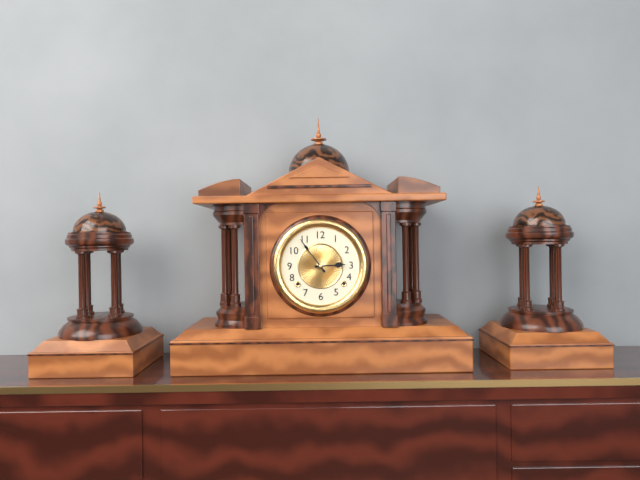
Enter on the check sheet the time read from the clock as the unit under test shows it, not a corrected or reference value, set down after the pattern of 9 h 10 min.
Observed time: 2 h 54 min
